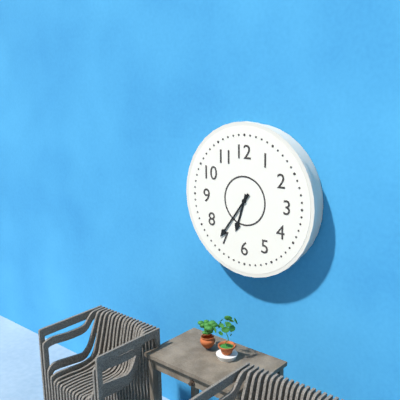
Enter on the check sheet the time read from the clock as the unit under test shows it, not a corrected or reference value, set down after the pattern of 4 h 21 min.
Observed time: 6 h 36 min
